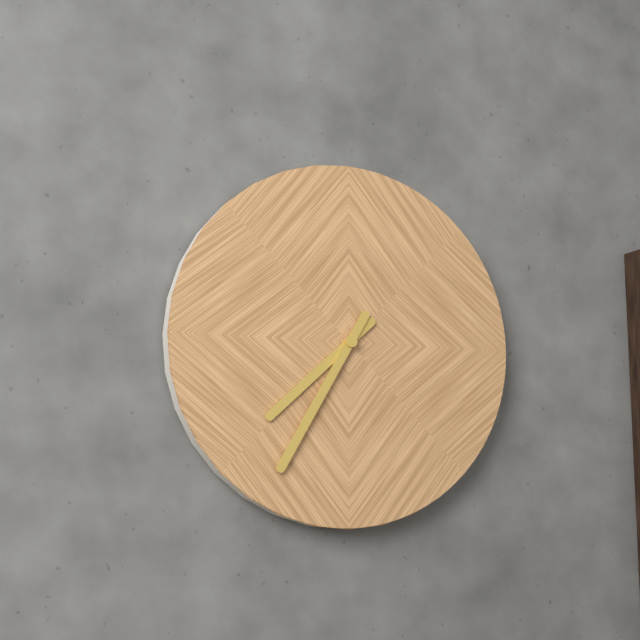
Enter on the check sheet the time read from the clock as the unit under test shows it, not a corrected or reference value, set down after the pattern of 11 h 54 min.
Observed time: 7 h 35 min
